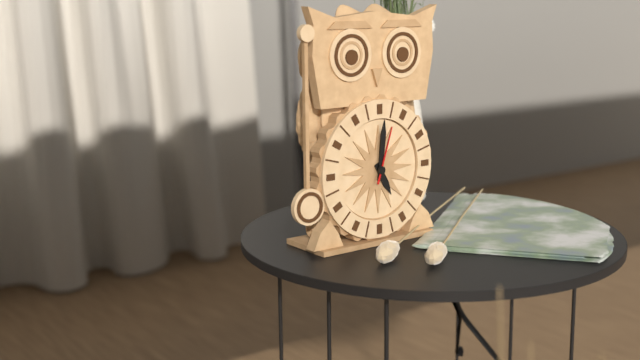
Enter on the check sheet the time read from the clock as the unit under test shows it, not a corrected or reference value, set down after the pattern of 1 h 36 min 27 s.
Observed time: 5 h 01 min 03 s
